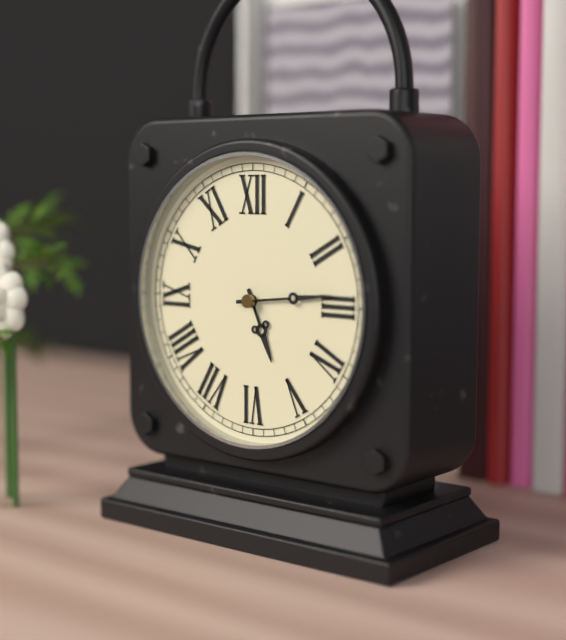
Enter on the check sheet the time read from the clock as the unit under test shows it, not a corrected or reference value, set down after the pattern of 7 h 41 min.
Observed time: 5 h 14 min
